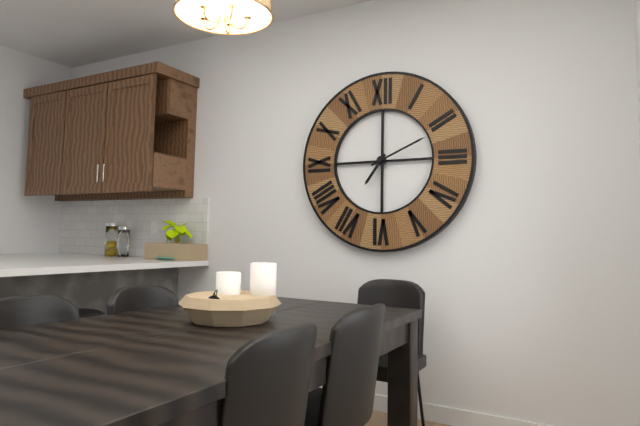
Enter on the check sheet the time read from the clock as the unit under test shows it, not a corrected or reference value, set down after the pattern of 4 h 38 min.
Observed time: 7 h 11 min
